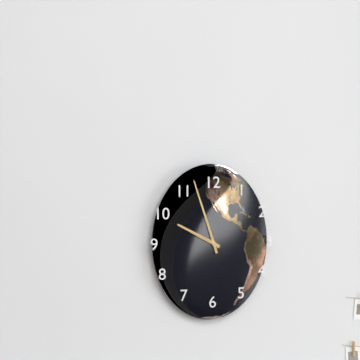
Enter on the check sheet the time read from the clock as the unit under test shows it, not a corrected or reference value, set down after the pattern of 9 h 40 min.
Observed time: 9 h 57 min
